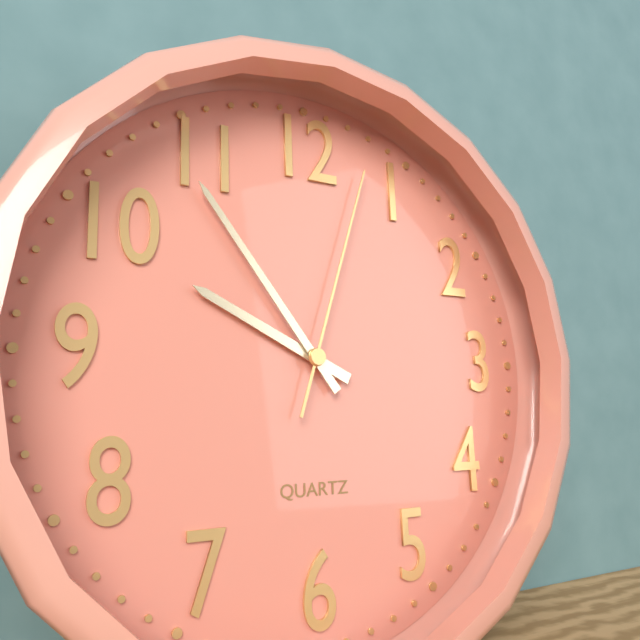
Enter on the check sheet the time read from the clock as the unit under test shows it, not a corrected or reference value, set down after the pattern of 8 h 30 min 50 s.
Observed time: 9 h 54 min 03 s
